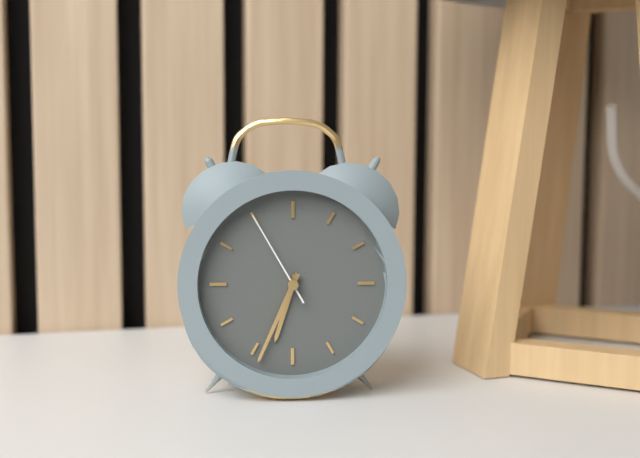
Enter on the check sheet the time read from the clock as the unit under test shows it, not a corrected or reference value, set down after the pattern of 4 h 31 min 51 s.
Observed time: 6 h 34 min 55 s
